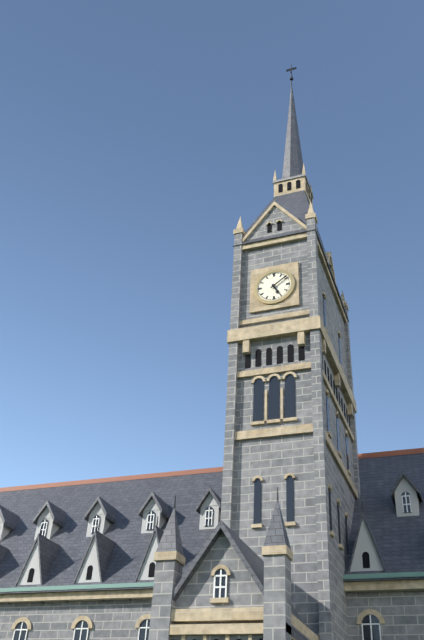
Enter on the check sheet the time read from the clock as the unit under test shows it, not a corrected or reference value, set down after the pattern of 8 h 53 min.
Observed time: 5 h 09 min
